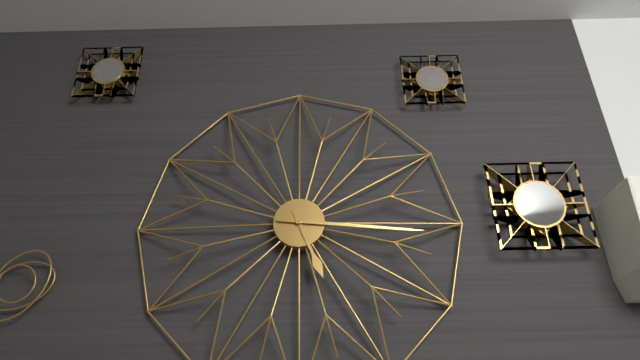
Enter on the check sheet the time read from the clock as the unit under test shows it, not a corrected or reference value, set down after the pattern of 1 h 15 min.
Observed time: 5 h 16 min
